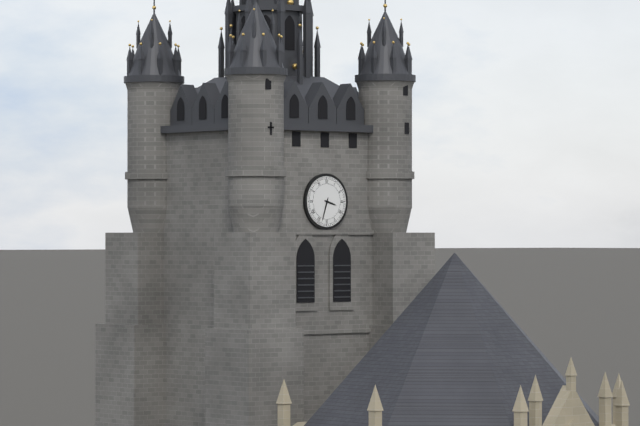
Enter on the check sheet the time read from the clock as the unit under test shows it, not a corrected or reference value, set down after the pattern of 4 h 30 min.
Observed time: 3 h 33 min
